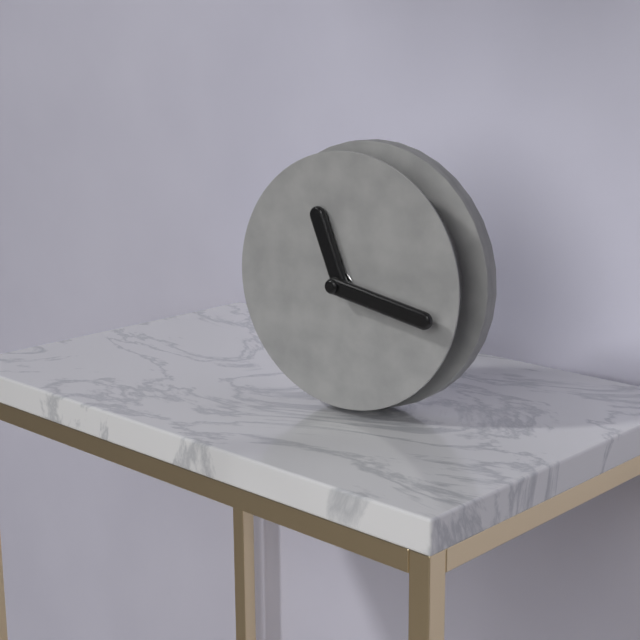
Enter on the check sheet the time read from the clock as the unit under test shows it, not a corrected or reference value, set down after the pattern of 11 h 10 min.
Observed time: 11 h 17 min
